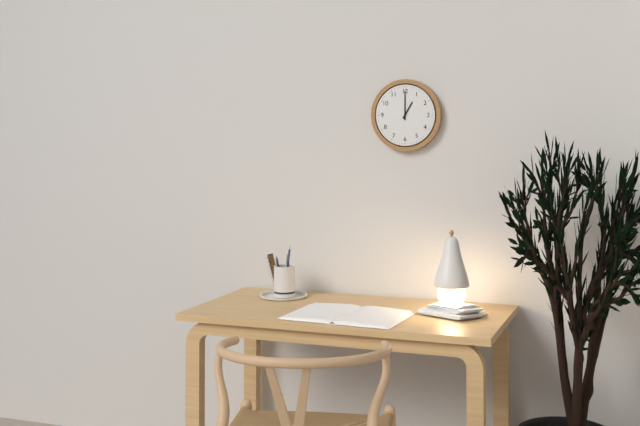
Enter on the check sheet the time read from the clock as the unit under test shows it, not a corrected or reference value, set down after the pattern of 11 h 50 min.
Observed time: 1 h 00 min
